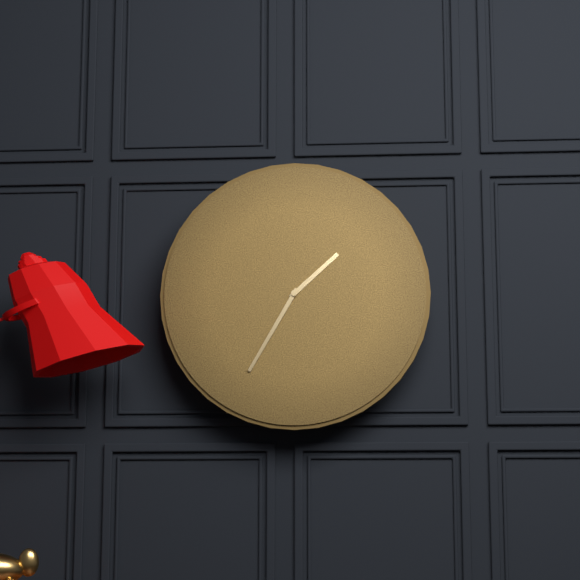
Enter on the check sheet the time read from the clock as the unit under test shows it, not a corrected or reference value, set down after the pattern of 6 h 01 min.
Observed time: 1 h 35 min
